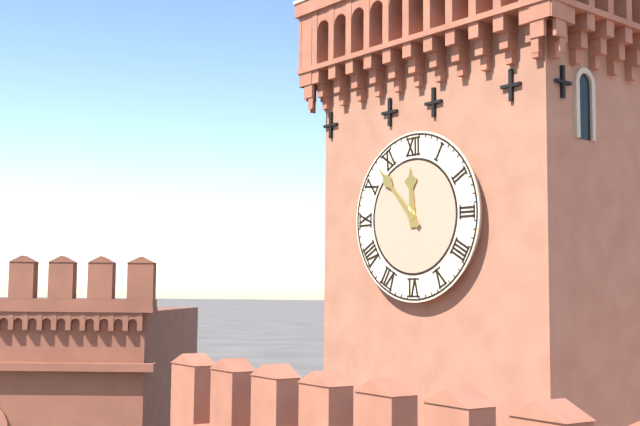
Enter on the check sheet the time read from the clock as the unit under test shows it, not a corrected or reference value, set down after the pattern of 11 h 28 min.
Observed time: 11 h 53 min
